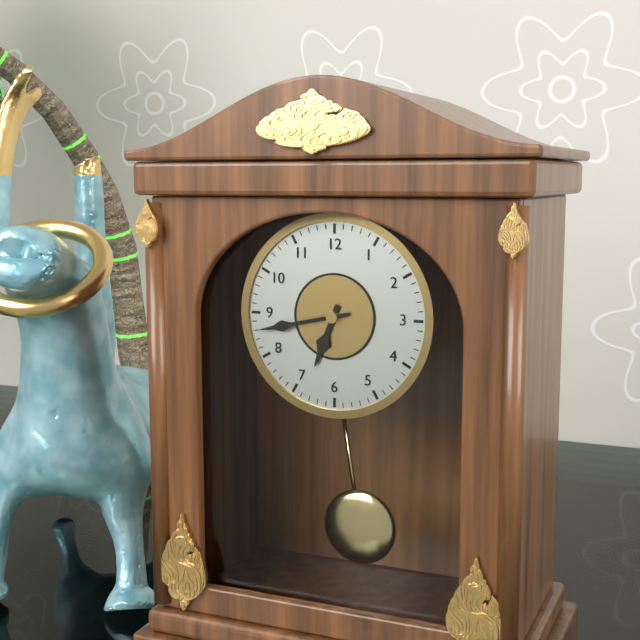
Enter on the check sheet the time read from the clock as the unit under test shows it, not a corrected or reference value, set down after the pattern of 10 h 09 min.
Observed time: 6 h 43 min
